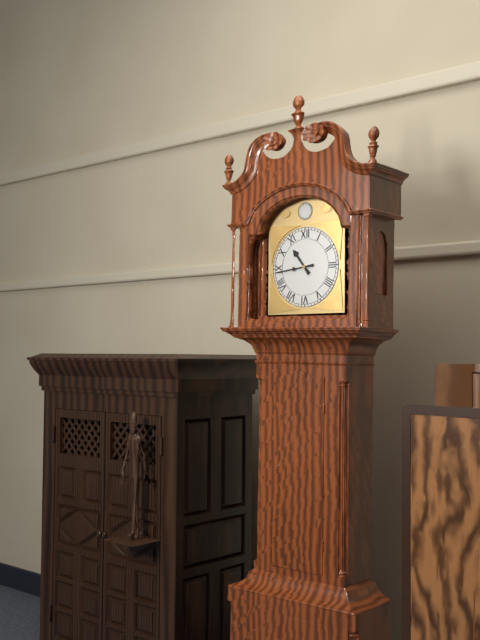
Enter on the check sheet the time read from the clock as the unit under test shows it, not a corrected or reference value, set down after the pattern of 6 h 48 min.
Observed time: 10 h 44 min
